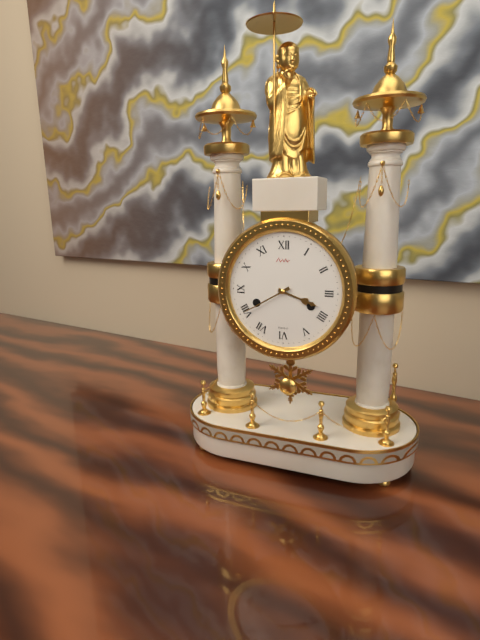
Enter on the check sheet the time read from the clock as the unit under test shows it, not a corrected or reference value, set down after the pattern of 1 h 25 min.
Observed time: 3 h 40 min
